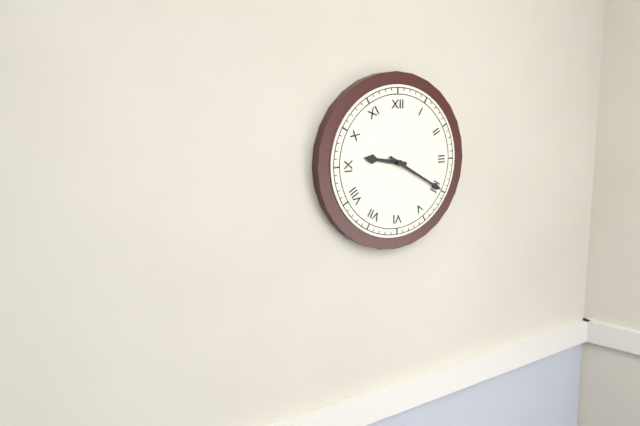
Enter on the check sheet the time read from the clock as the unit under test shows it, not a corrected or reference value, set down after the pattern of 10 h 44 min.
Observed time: 9 h 20 min
